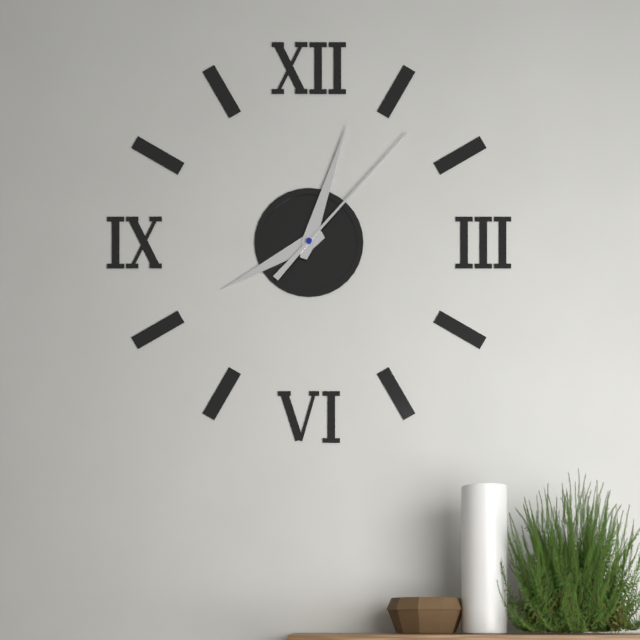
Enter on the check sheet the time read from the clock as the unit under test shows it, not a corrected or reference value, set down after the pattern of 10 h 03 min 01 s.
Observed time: 8 h 03 min 07 s
